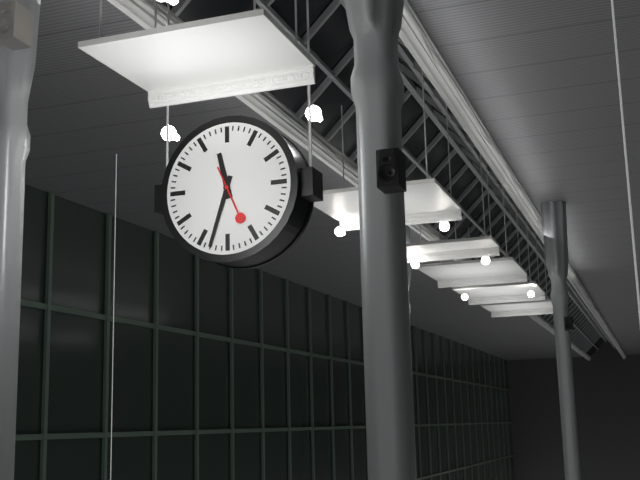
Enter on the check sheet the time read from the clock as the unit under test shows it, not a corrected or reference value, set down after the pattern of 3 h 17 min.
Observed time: 11 h 33 min
